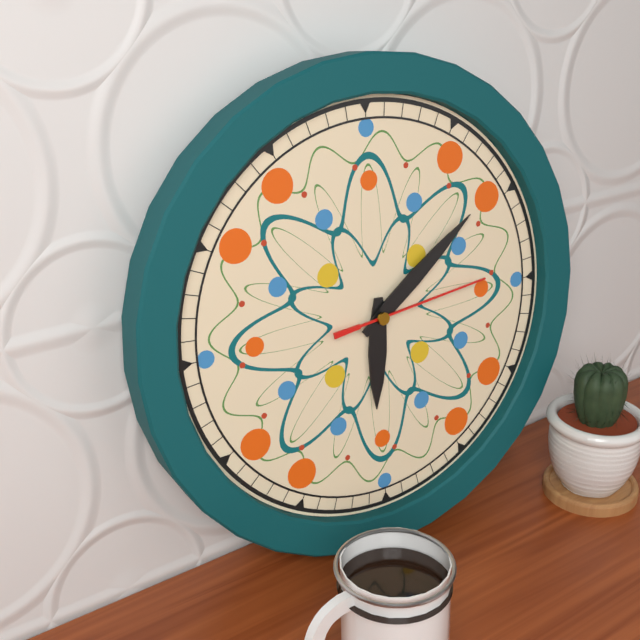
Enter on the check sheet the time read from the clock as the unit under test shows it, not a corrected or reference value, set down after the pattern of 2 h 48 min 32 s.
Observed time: 6 h 09 min 14 s
